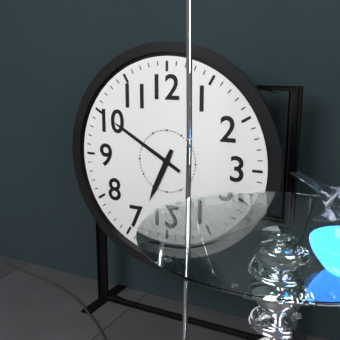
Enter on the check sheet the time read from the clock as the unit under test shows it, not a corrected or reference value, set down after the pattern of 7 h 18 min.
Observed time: 6 h 50 min
